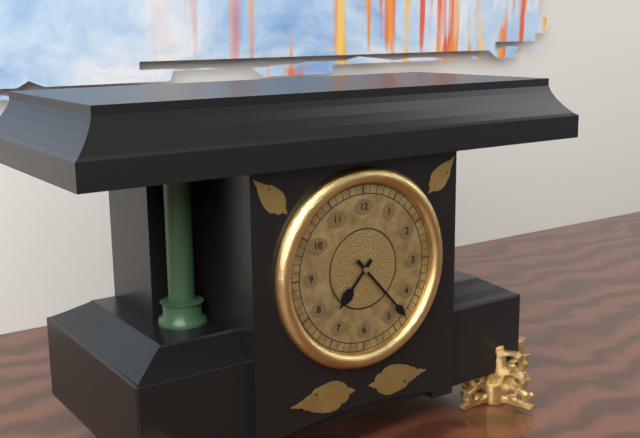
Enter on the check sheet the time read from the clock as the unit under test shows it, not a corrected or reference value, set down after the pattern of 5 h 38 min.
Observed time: 7 h 23 min
